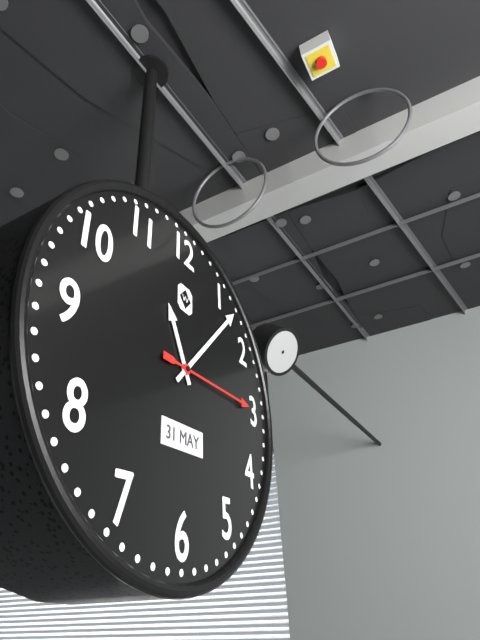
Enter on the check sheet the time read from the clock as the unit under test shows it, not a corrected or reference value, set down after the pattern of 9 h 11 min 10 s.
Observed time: 11 h 07 min 15 s
